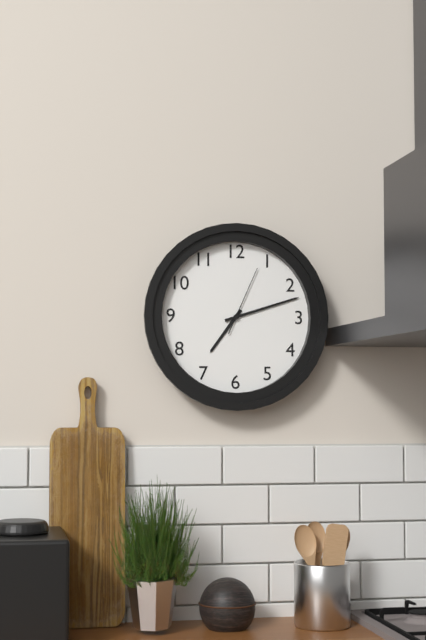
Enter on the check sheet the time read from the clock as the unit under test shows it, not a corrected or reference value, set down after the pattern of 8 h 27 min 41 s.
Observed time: 7 h 12 min 04 s
